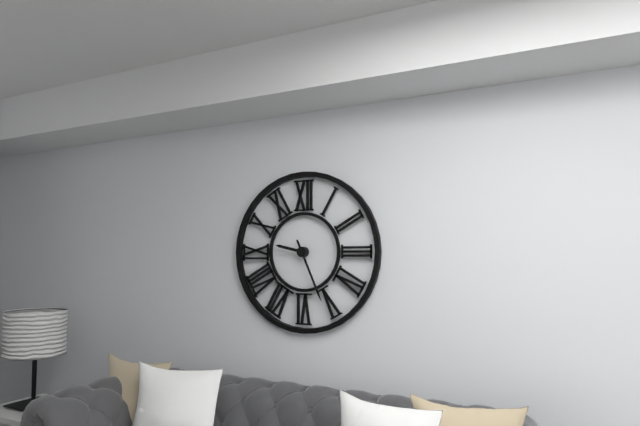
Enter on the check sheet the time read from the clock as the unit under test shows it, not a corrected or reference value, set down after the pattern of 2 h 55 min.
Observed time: 9 h 26 min
